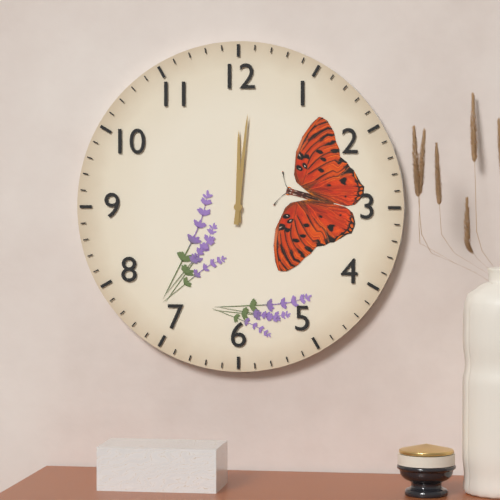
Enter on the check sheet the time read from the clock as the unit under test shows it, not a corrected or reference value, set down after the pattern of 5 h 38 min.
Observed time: 12 h 01 min
